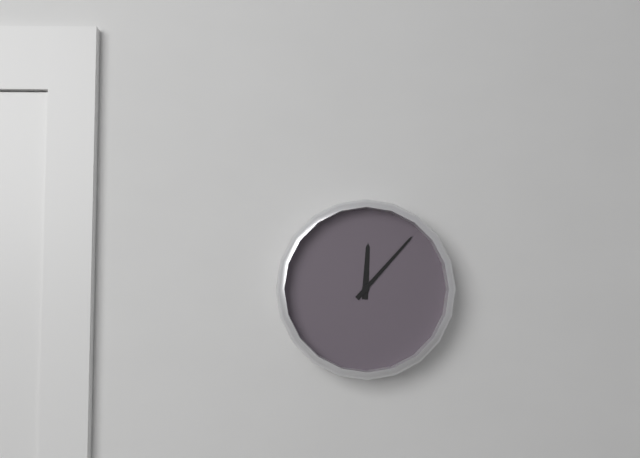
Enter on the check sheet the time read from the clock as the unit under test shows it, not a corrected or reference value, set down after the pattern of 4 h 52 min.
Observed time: 12 h 07 min
